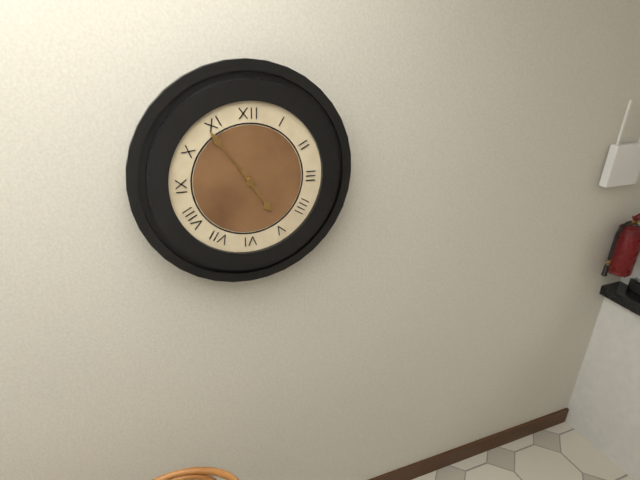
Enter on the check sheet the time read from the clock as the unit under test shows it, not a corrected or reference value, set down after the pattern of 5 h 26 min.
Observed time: 4 h 54 min
